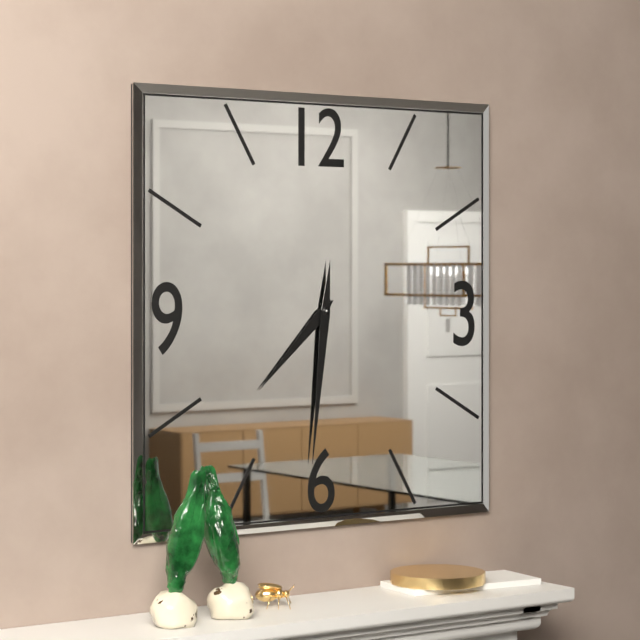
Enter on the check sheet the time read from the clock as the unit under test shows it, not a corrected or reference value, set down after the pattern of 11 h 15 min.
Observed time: 7 h 31 min
